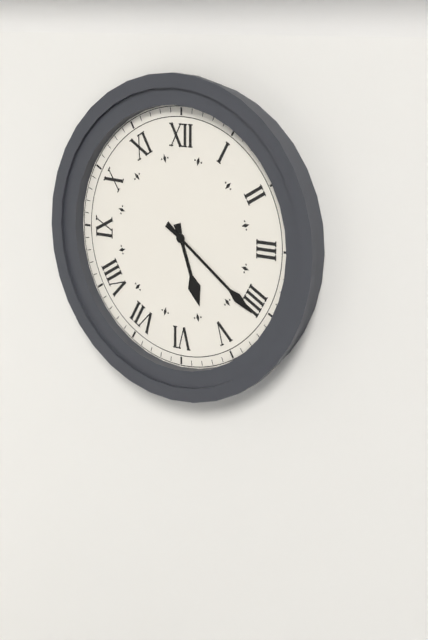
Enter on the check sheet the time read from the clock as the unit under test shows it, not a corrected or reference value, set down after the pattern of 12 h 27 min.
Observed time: 5 h 21 min
